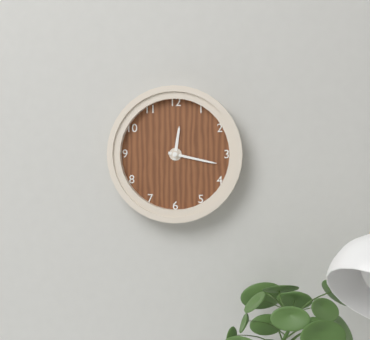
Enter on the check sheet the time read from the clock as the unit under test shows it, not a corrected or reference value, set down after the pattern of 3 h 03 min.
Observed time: 12 h 17 min
